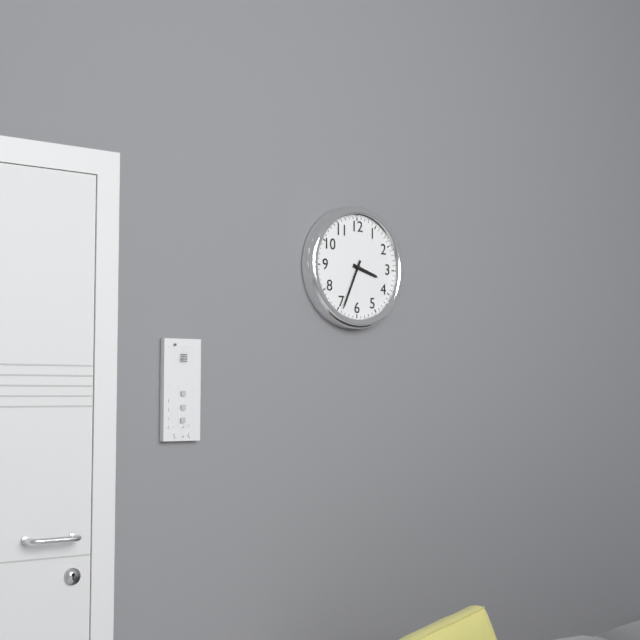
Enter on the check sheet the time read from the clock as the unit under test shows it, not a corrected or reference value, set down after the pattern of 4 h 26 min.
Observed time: 3 h 34 min
